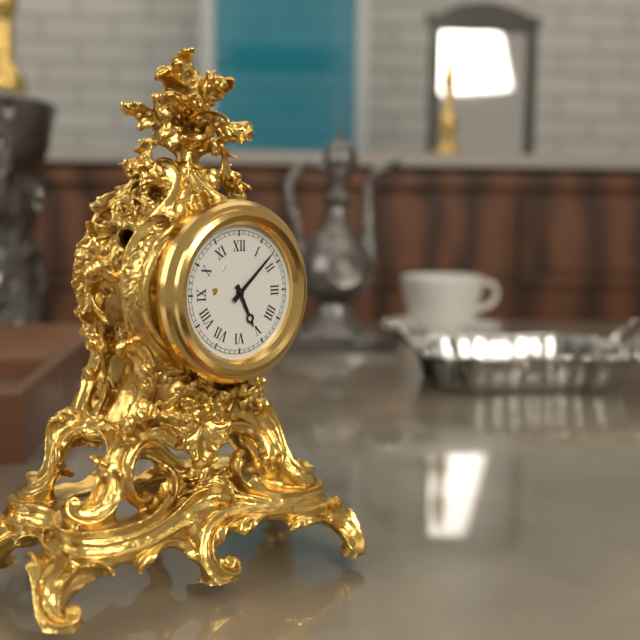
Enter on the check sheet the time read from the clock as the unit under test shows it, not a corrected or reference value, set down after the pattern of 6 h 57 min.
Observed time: 5 h 08 min
